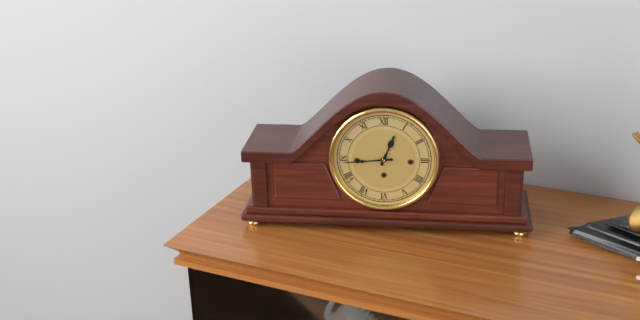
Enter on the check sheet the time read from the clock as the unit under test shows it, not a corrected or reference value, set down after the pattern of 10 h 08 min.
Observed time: 12 h 44 min
